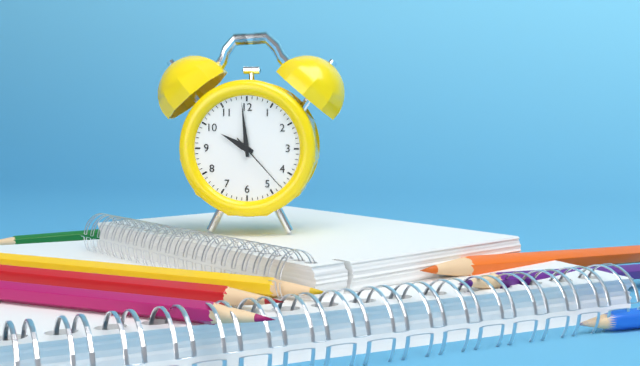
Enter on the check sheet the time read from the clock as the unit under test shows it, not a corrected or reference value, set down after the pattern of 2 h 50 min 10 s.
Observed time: 9 h 59 min 23 s
